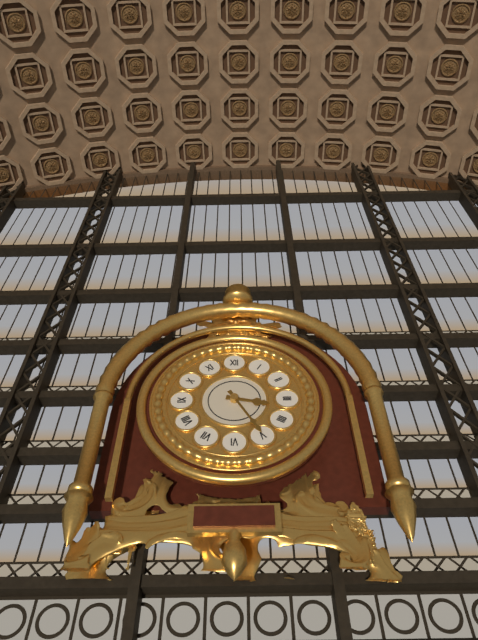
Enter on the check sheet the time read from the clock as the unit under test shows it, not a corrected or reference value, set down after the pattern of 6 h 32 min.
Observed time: 3 h 25 min
